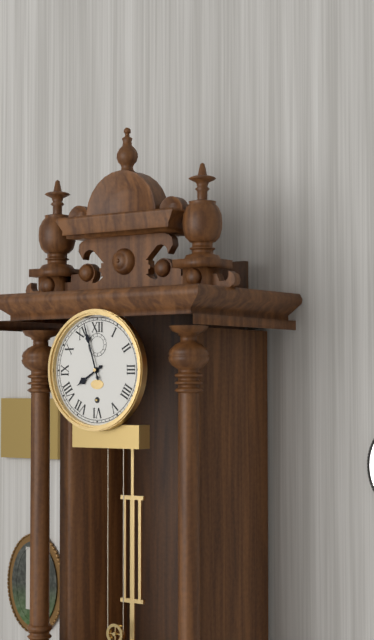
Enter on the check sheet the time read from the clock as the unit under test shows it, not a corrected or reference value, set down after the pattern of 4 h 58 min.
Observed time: 7 h 57 min
